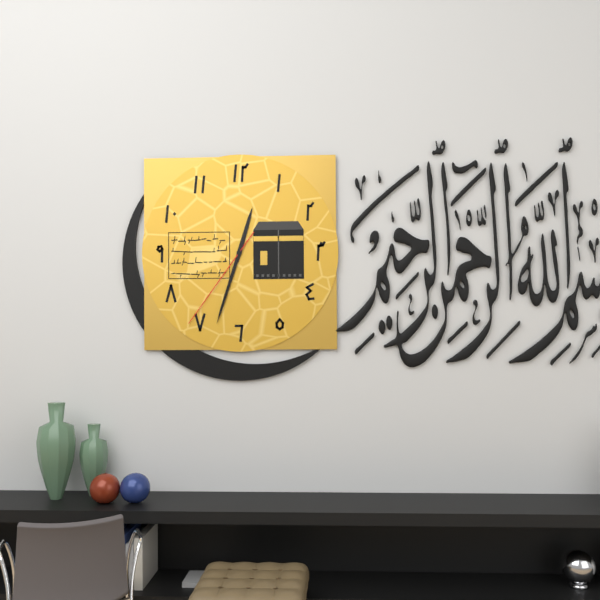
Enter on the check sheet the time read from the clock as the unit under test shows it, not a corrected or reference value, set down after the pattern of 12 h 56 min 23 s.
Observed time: 12 h 33 min 36 s
